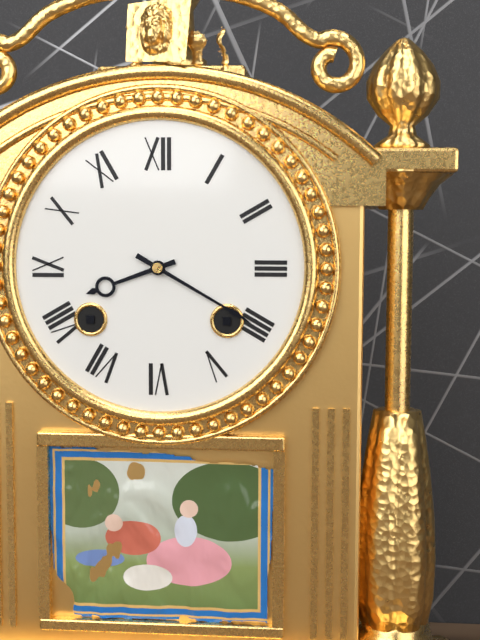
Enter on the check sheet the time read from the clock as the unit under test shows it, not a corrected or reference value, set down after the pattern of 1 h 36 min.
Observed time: 8 h 20 min
